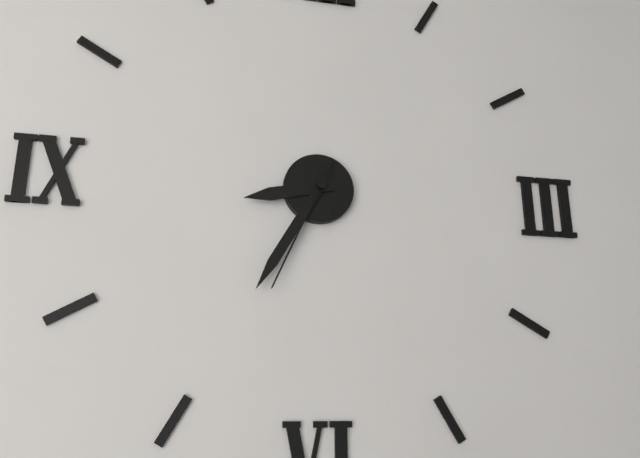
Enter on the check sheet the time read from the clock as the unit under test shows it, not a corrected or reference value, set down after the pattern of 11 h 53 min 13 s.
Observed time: 8 h 35 min 34 s
